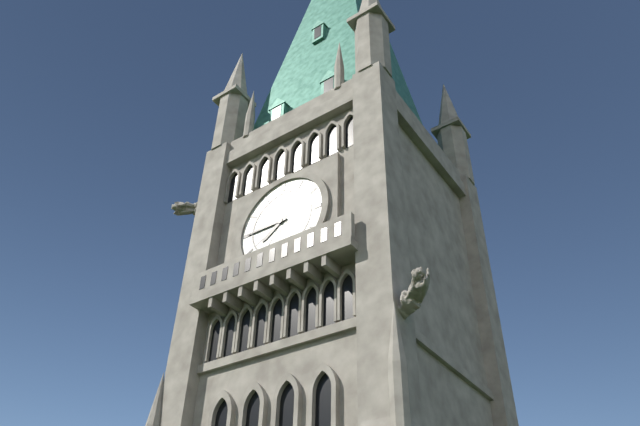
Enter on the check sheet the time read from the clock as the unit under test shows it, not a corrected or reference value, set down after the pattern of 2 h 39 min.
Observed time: 7 h 45 min
